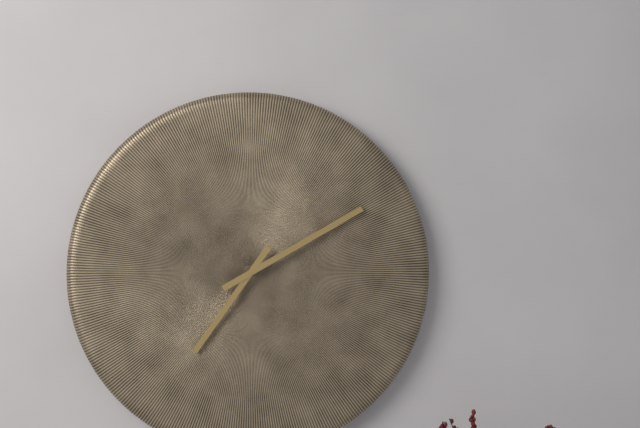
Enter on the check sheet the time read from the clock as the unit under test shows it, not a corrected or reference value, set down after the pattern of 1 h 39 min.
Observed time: 7 h 10 min
